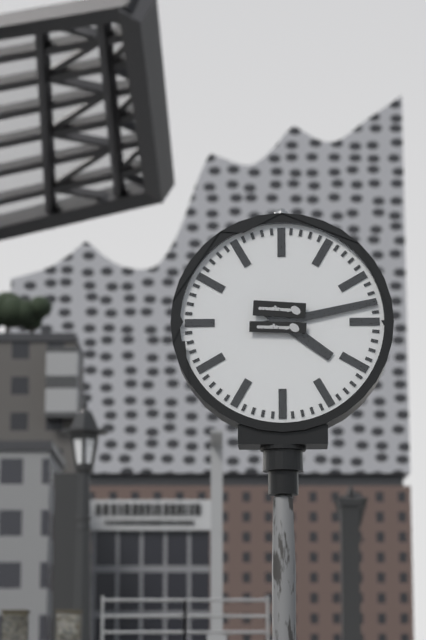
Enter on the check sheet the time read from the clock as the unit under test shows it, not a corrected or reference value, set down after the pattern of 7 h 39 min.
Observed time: 4 h 13 min
